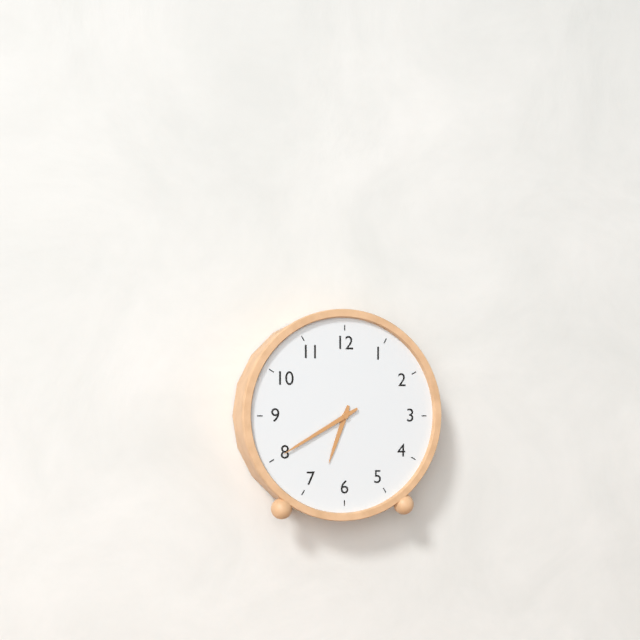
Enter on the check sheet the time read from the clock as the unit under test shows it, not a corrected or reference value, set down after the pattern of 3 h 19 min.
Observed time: 6 h 40 min
